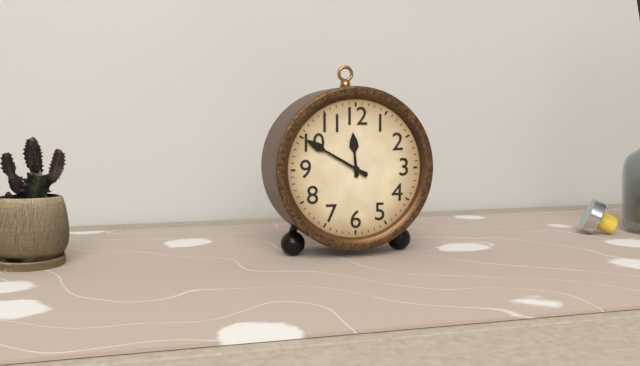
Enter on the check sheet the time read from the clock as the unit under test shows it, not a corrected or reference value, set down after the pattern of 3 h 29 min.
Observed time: 11 h 50 min
